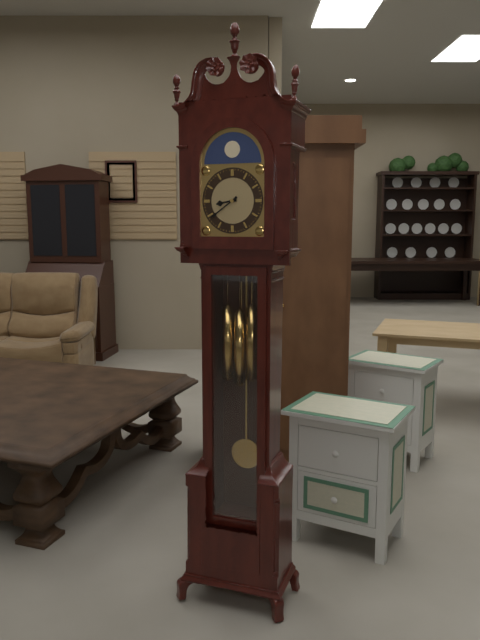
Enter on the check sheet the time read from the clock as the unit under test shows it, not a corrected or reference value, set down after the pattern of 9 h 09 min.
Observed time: 8 h 39 min
